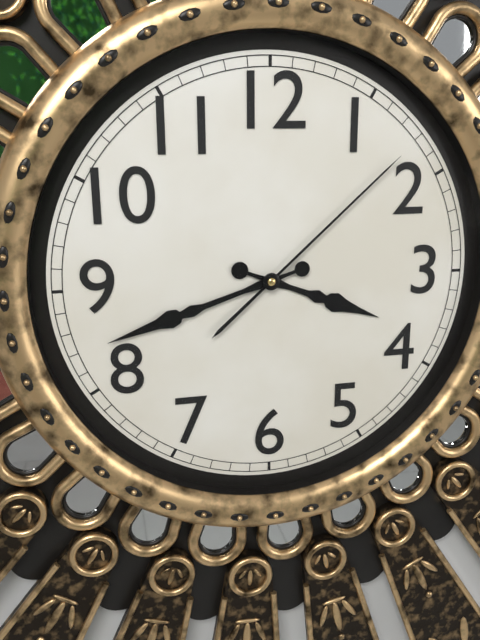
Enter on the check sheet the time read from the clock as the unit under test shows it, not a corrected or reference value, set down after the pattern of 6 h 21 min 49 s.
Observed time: 3 h 42 min 08 s
